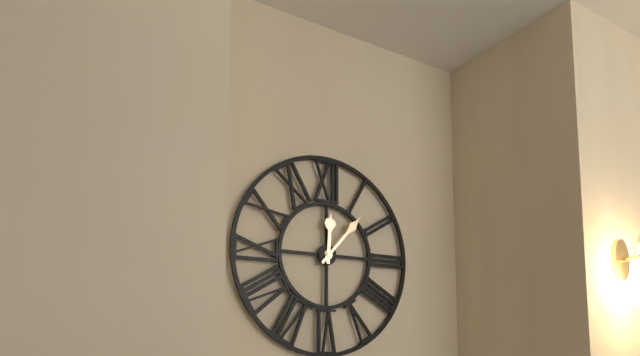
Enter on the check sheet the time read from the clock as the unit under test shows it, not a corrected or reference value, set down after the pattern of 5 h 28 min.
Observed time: 12 h 07 min
